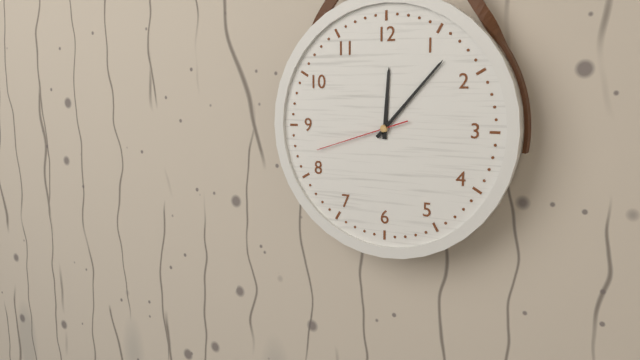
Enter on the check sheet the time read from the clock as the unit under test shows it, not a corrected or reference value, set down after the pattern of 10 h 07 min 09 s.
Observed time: 12 h 07 min 42 s
